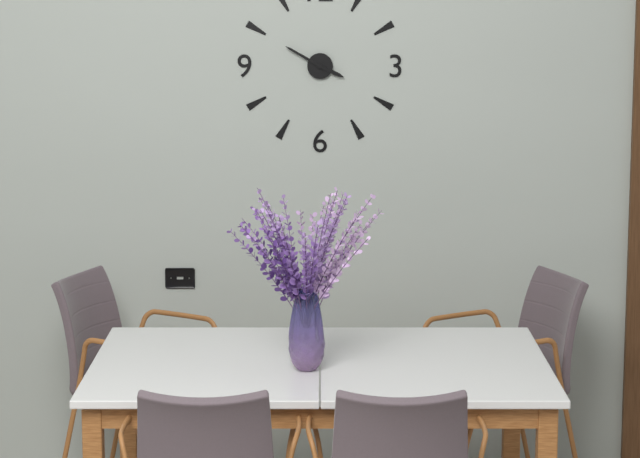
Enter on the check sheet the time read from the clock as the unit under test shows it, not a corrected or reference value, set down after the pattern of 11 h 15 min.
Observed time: 3 h 50 min
